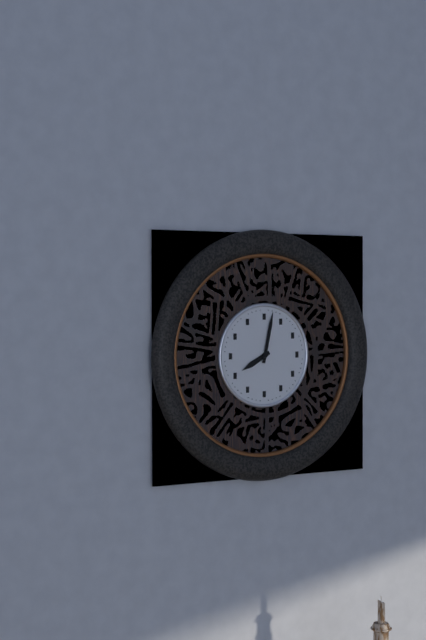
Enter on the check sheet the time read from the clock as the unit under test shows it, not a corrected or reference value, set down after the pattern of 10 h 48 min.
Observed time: 8 h 02 min
